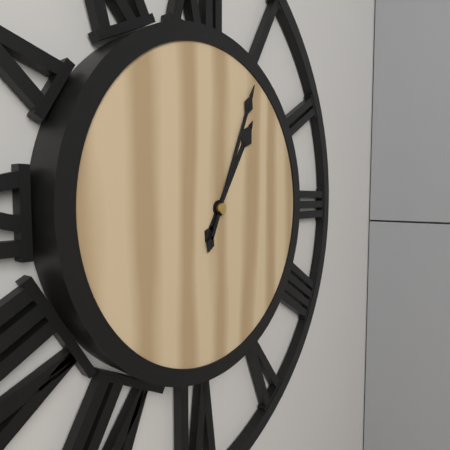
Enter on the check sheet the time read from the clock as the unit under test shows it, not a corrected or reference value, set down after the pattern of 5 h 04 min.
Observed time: 1 h 04 min
